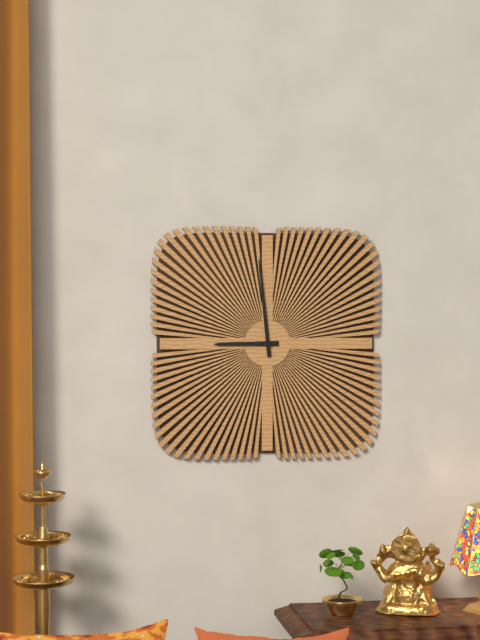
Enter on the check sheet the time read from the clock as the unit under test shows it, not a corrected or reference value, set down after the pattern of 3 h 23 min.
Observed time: 8 h 59 min
